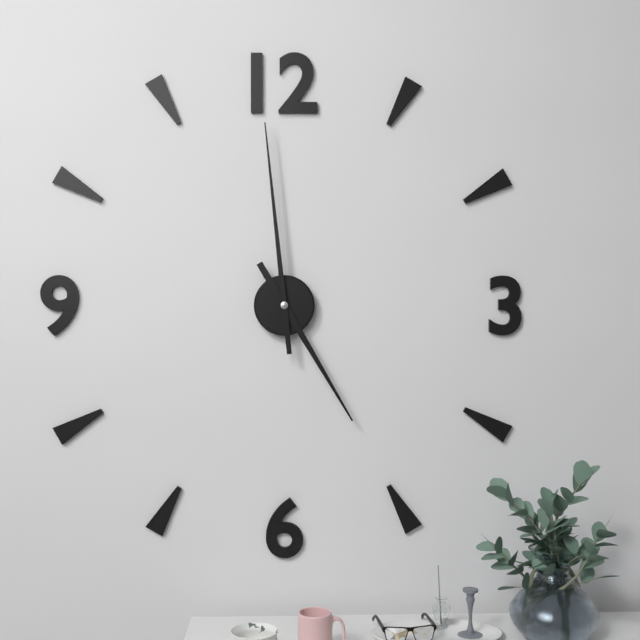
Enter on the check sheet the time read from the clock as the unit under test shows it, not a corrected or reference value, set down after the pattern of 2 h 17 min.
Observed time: 4 h 59 min
